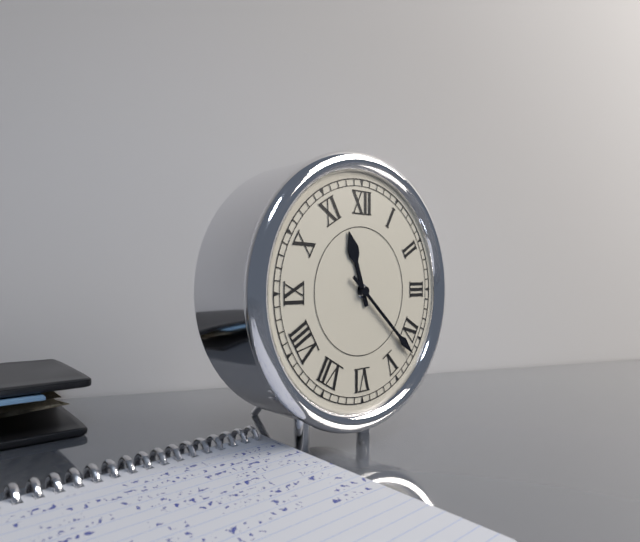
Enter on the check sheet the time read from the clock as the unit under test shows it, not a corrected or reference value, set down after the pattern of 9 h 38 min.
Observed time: 11 h 22 min
